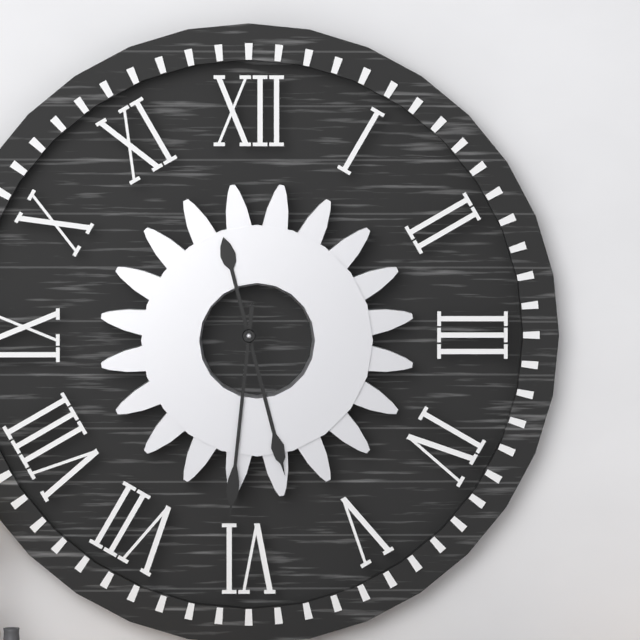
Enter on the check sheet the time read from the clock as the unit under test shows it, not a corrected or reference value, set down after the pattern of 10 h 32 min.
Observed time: 5 h 31 min
